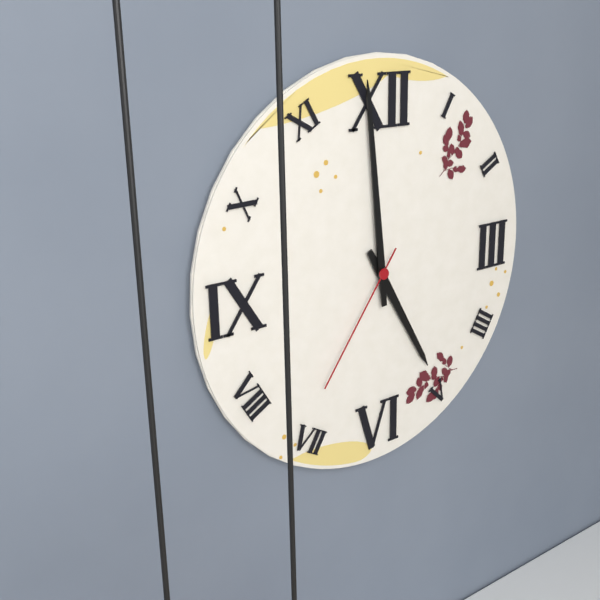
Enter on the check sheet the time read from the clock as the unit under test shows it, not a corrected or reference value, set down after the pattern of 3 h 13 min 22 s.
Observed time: 4 h 59 min 36 s
